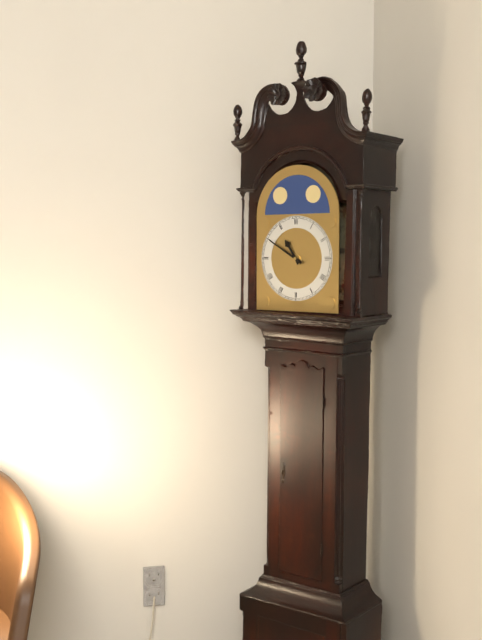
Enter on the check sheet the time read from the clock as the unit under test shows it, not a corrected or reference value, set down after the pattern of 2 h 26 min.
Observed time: 10 h 50 min
